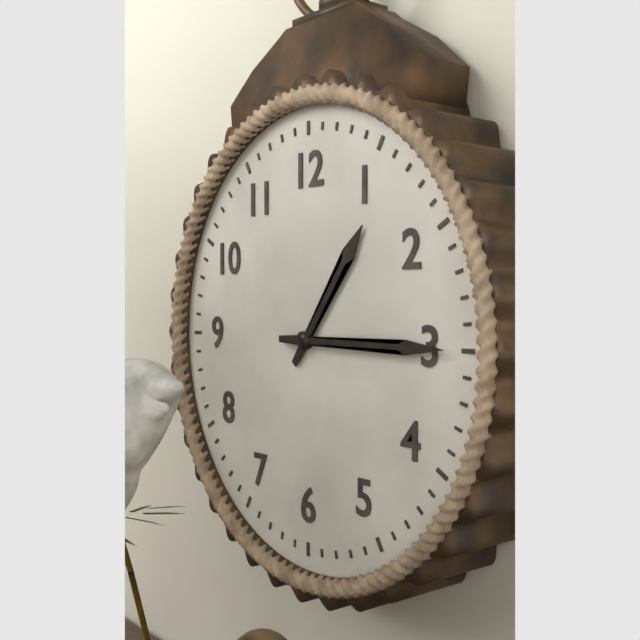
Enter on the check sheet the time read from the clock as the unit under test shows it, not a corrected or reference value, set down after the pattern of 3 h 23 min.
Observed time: 1 h 15 min
